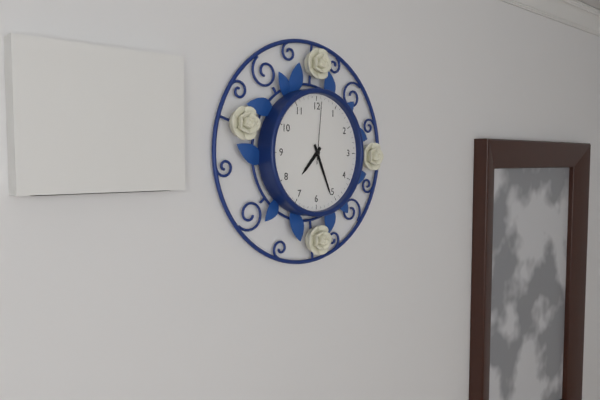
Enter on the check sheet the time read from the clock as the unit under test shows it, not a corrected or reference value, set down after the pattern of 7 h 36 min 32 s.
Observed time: 7 h 26 min 01 s
